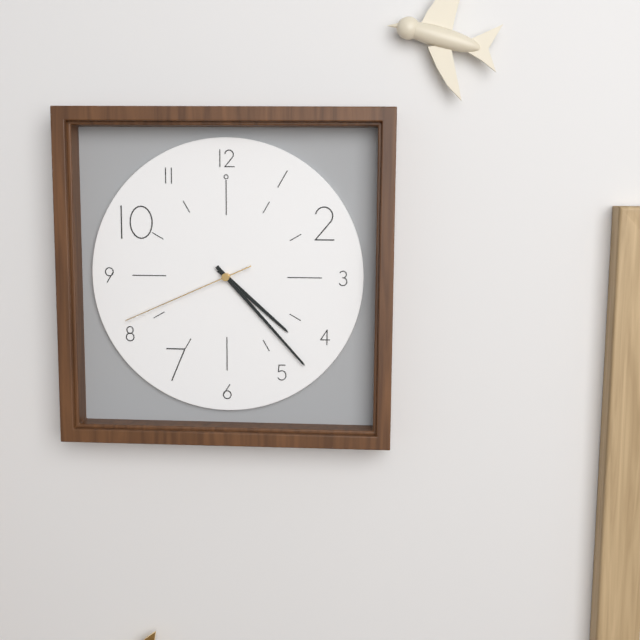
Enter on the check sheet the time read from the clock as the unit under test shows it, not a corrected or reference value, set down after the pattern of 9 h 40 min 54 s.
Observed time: 4 h 23 min 41 s
